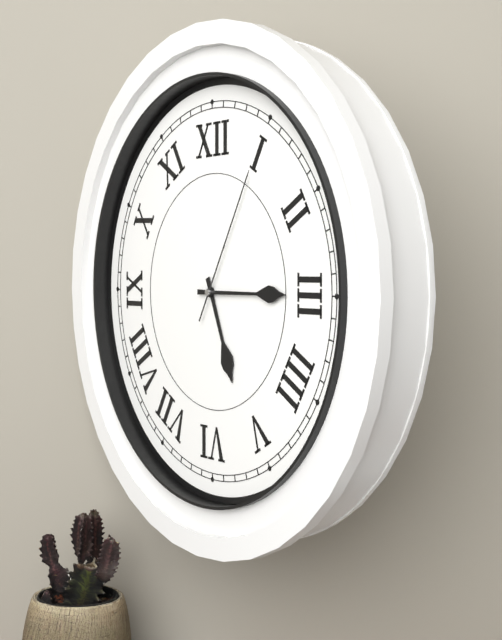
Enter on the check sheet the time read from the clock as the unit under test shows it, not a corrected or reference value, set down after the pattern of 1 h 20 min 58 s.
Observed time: 5 h 15 min 05 s
